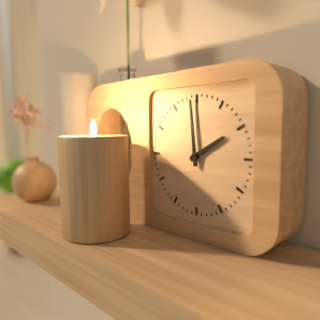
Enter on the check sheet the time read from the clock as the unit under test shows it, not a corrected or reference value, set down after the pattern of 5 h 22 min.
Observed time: 1 h 59 min
